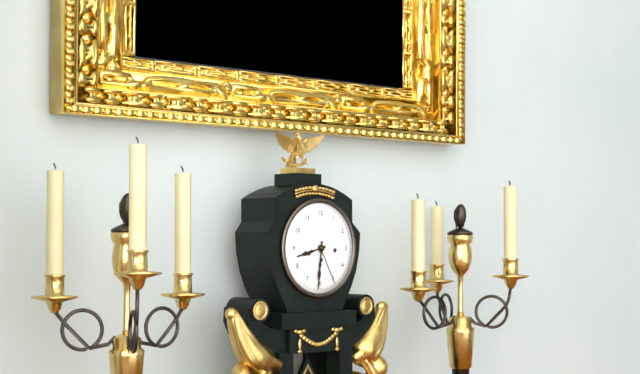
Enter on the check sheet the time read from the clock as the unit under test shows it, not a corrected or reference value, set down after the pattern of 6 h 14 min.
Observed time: 8 h 31 min
